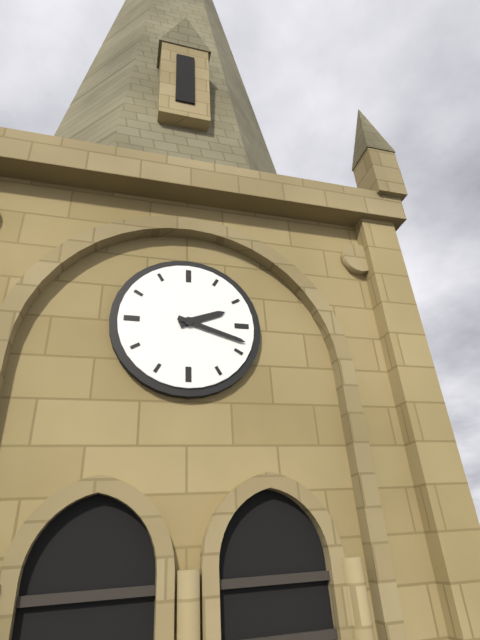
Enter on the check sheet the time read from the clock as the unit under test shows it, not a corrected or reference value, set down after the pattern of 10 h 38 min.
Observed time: 2 h 18 min
